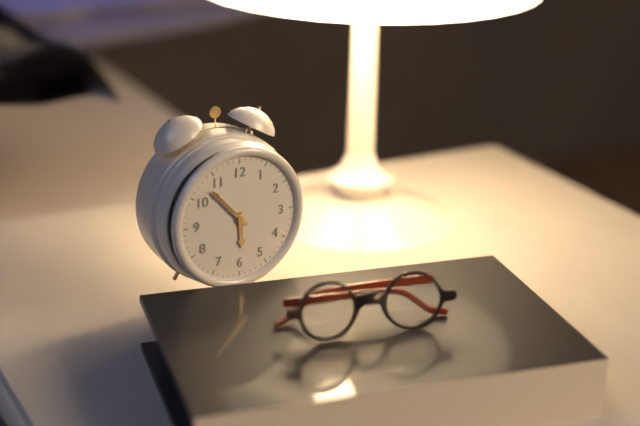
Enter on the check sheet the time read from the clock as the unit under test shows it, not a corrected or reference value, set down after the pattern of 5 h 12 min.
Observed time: 5 h 53 min
